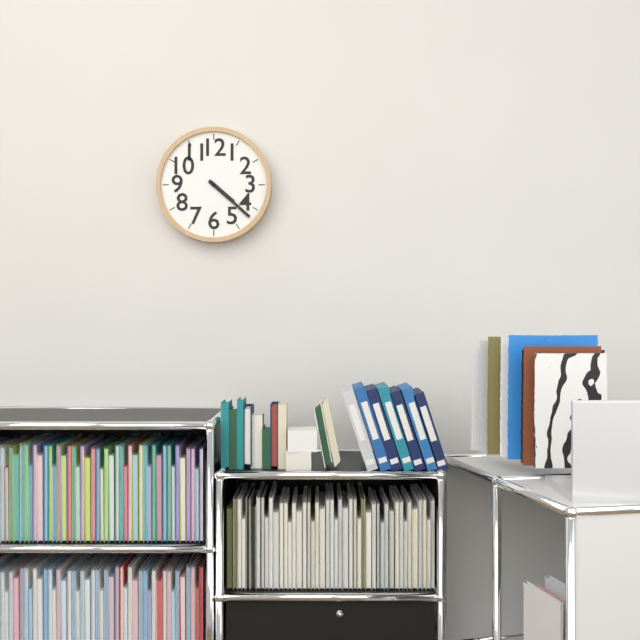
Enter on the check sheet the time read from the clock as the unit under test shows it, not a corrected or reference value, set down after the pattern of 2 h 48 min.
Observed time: 4 h 22 min
